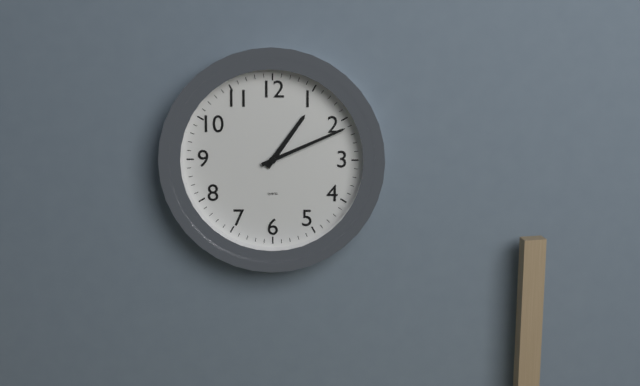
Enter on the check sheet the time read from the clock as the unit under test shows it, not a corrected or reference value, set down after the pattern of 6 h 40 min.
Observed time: 1 h 11 min
